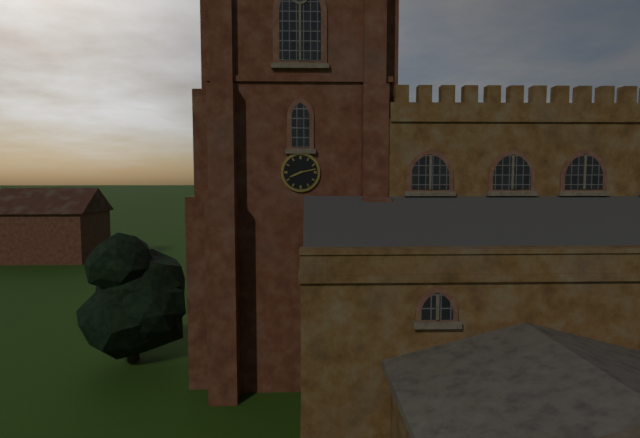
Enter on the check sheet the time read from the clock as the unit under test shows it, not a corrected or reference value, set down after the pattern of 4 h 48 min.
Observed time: 8 h 13 min
